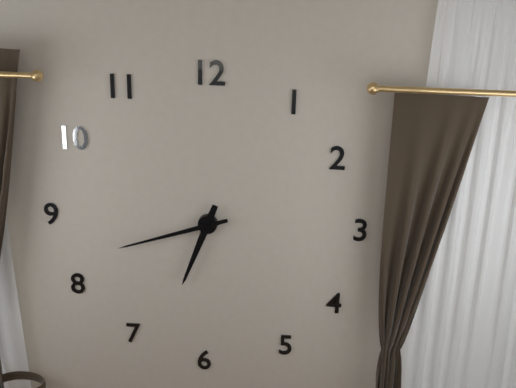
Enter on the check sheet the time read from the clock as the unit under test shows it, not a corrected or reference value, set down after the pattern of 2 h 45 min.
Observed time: 6 h 42 min
